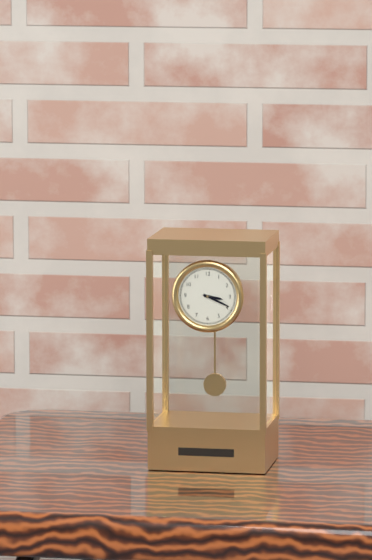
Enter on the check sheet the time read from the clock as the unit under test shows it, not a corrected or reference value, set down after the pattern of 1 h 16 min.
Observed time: 3 h 19 min
